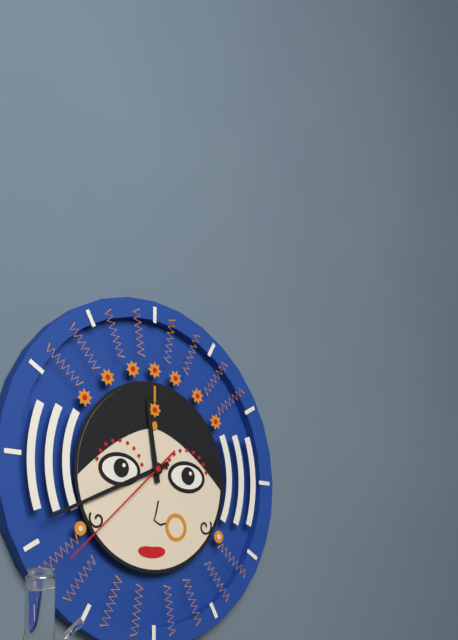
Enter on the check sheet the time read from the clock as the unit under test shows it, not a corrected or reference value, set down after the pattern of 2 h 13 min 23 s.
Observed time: 11 h 41 min 38 s
